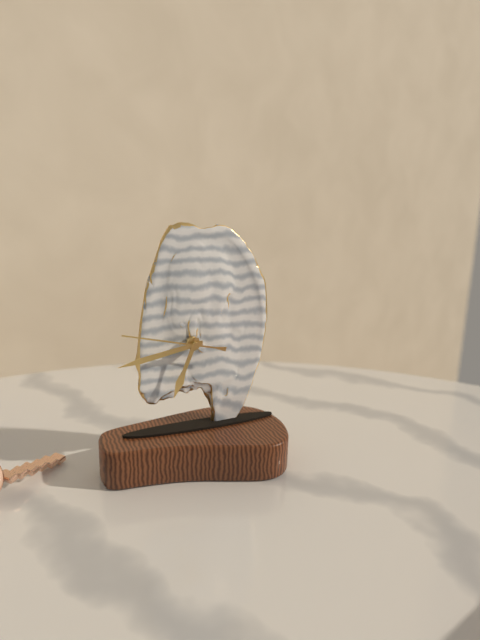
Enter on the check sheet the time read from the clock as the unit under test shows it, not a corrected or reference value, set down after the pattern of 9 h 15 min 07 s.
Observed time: 6 h 43 min 47 s
